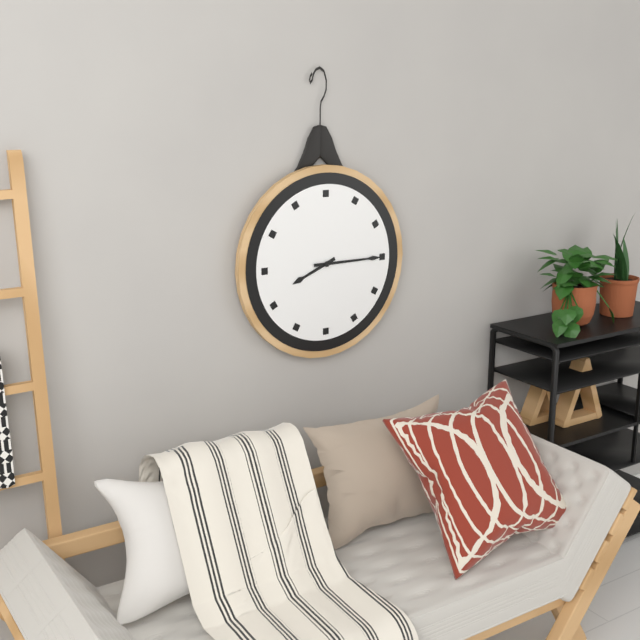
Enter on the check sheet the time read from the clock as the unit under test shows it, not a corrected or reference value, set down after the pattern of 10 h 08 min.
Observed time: 8 h 15 min
